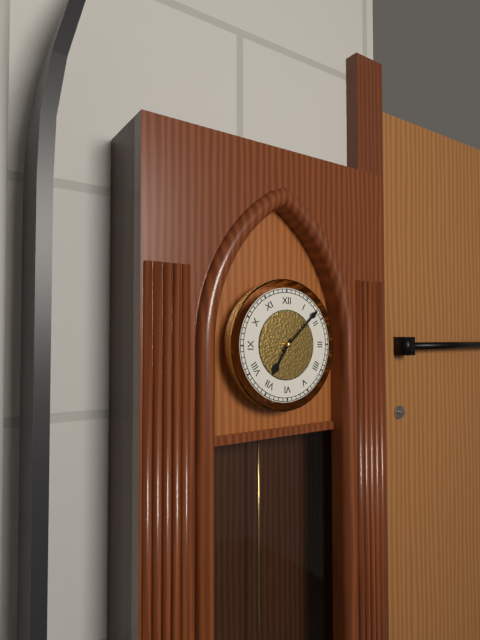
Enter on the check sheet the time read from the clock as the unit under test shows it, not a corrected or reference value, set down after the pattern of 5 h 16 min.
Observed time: 7 h 08 min
